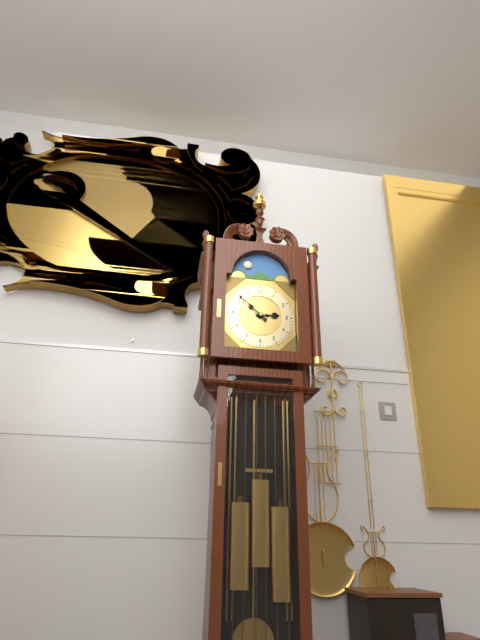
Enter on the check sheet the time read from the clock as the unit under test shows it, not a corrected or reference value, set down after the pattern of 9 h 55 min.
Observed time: 2 h 52 min
